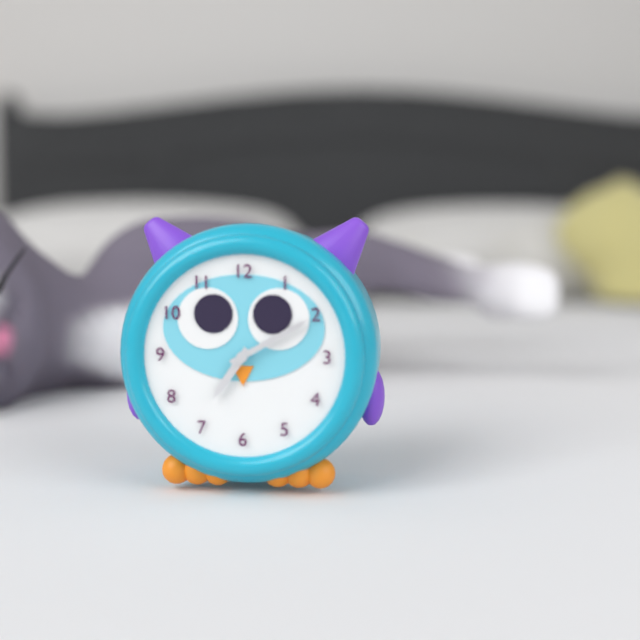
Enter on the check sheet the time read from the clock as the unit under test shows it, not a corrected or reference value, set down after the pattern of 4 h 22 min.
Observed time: 7 h 10 min
